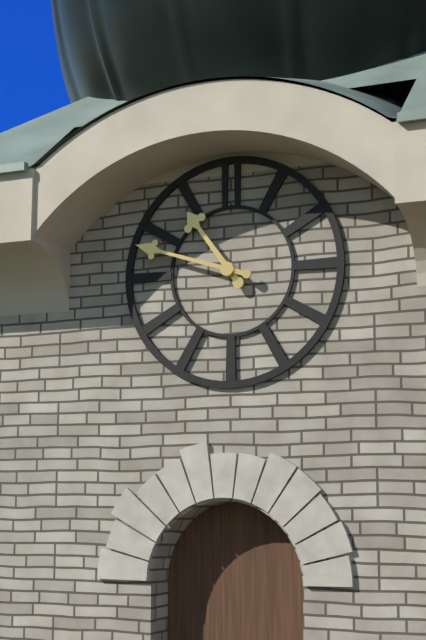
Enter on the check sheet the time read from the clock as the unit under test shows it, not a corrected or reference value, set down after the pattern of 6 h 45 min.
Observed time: 10 h 48 min
